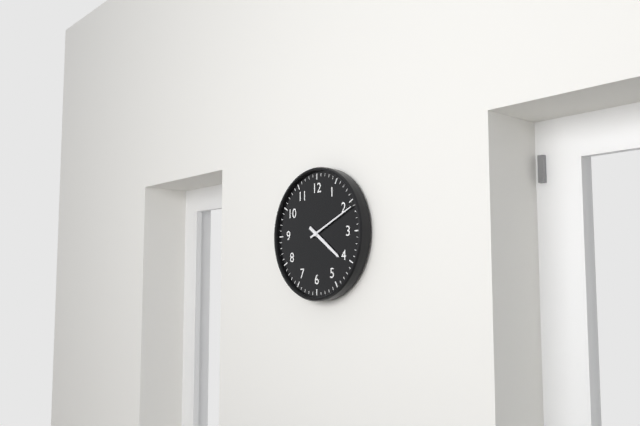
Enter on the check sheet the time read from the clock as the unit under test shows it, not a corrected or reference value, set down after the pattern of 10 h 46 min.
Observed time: 4 h 11 min
